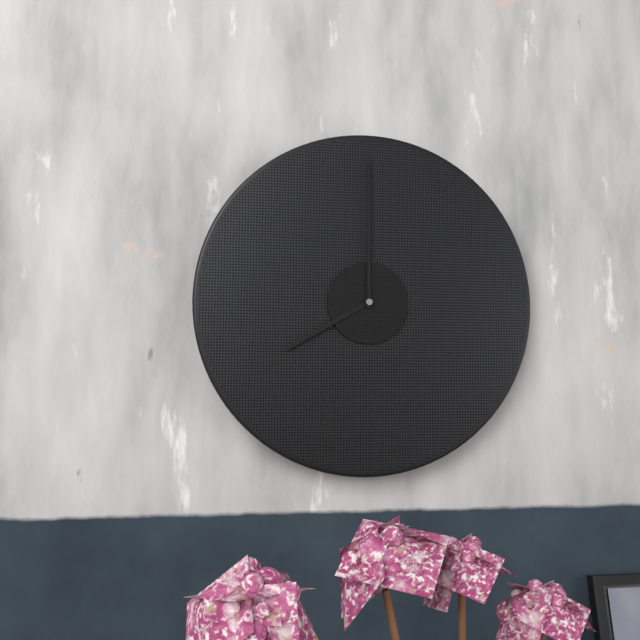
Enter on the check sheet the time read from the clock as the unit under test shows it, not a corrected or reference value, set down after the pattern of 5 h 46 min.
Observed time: 8 h 00 min
